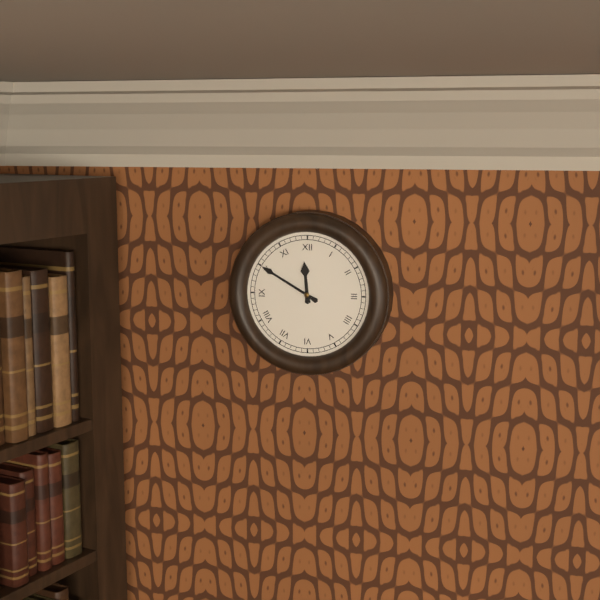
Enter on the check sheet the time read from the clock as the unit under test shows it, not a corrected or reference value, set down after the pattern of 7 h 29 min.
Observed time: 11 h 50 min
